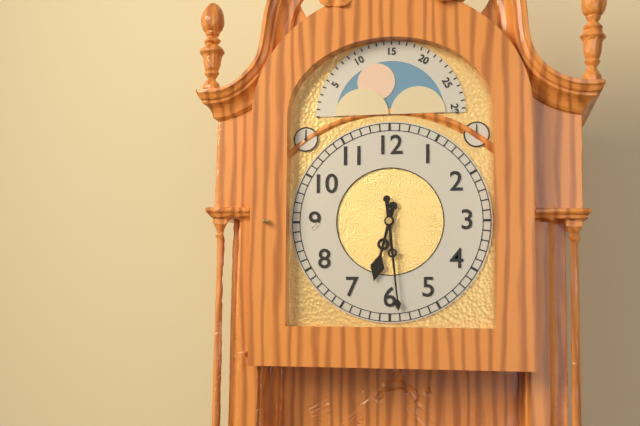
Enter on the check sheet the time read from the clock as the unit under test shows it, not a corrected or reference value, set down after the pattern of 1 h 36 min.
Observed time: 6 h 29 min
